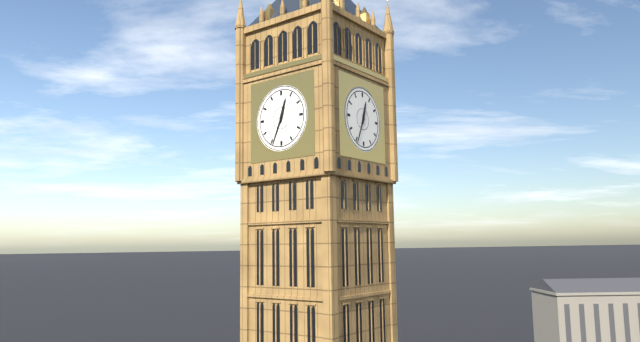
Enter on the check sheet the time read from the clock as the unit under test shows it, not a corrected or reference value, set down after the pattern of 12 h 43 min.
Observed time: 12 h 34 min
